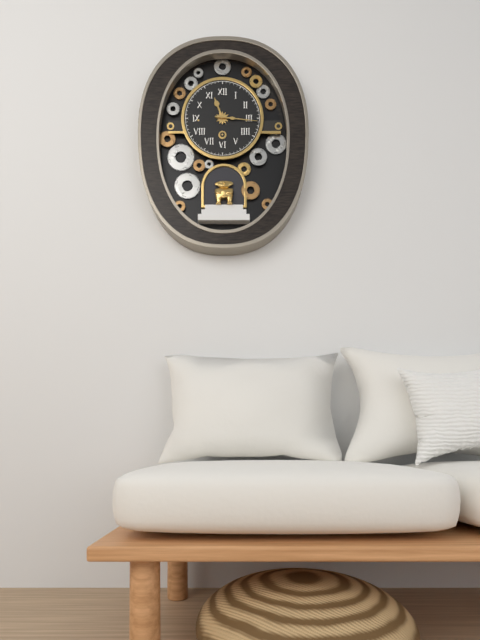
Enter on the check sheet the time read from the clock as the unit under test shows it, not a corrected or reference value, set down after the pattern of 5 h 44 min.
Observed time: 11 h 16 min
